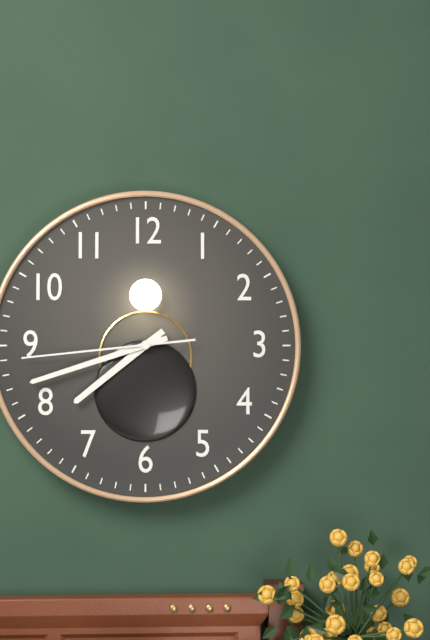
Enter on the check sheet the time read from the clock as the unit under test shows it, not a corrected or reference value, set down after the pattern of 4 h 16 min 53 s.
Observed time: 7 h 42 min 44 s
